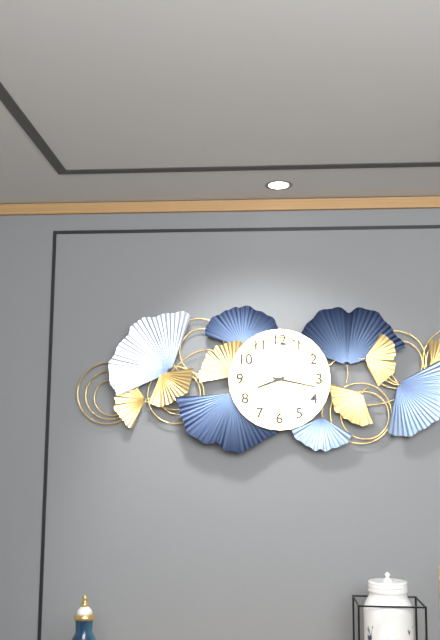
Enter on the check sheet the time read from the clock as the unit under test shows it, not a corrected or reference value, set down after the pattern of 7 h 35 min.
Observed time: 8 h 17 min
